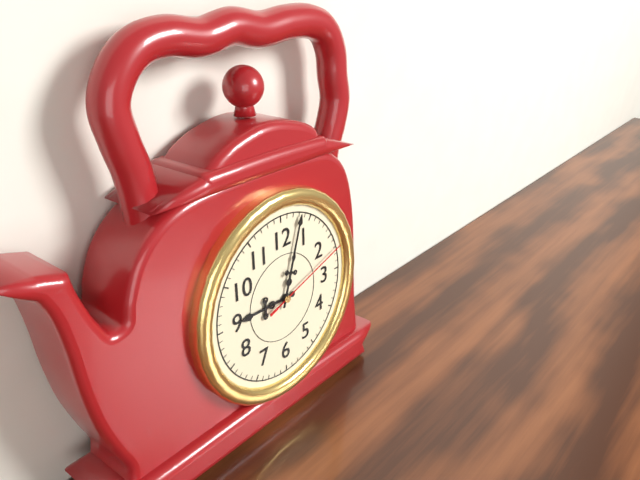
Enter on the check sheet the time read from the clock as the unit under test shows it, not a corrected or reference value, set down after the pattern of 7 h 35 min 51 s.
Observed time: 9 h 03 min 12 s
